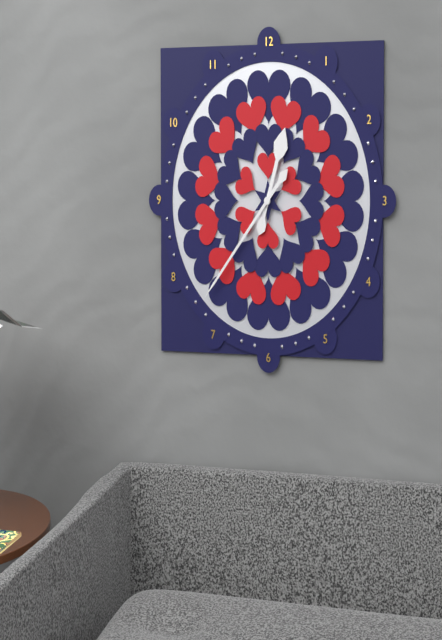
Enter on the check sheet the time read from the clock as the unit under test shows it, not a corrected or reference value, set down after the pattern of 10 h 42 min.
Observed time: 12 h 37 min
